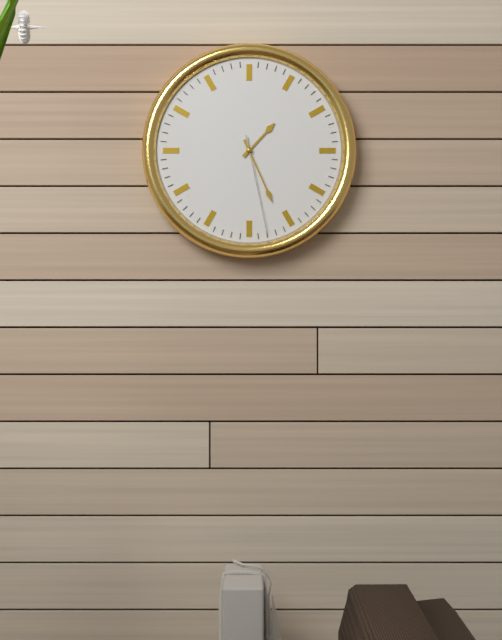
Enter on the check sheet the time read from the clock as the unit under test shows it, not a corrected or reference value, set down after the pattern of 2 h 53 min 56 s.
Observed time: 1 h 26 min 28 s
